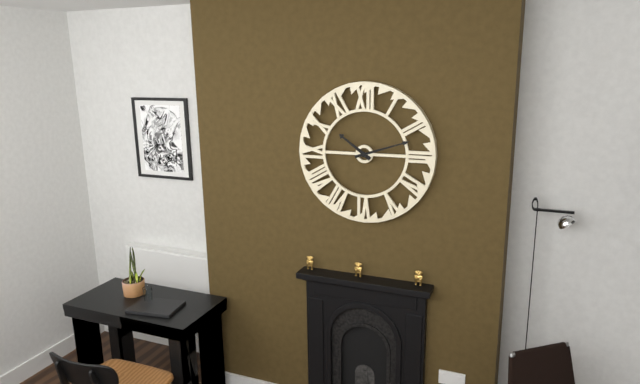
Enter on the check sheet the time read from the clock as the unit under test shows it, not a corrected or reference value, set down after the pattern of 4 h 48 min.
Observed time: 10 h 12 min
